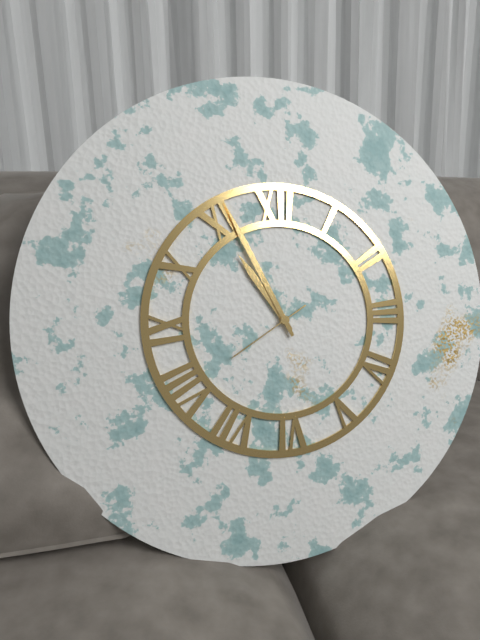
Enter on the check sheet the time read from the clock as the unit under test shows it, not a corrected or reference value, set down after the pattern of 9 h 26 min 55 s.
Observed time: 10 h 56 min 40 s
